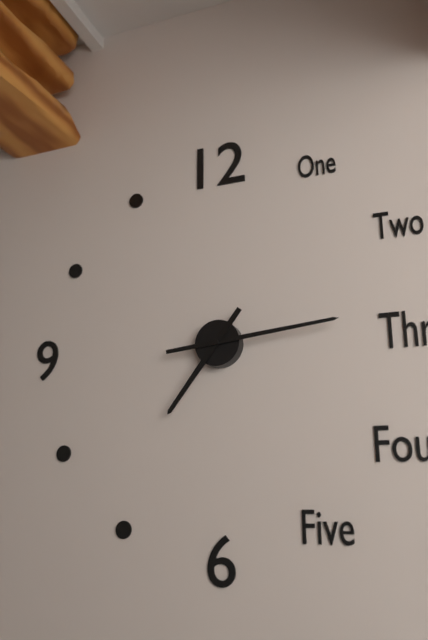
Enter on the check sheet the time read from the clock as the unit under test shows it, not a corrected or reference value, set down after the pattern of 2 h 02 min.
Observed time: 7 h 14 min
